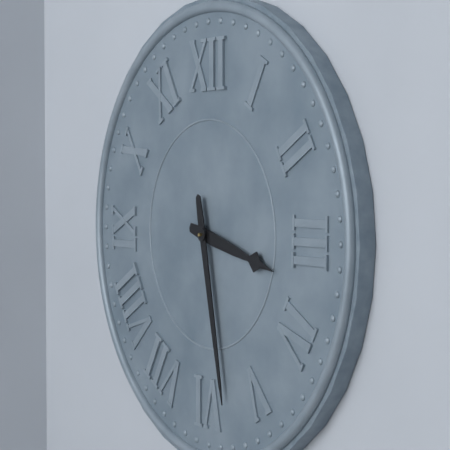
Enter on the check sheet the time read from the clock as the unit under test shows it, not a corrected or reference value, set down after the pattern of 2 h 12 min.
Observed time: 3 h 28 min
